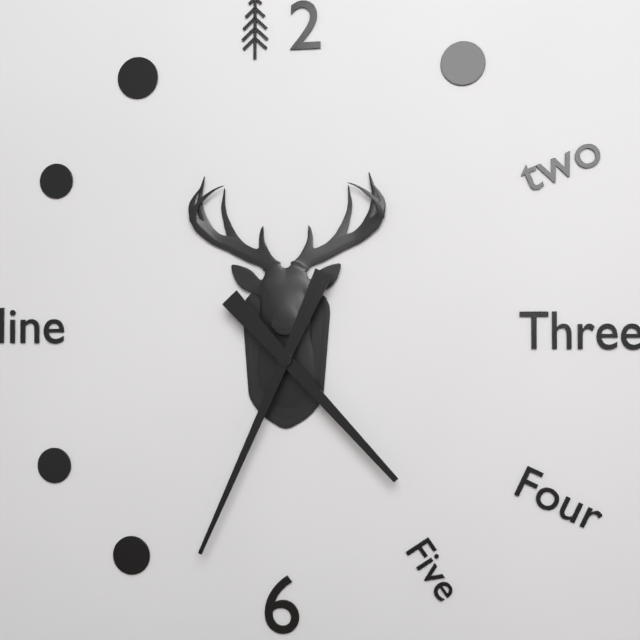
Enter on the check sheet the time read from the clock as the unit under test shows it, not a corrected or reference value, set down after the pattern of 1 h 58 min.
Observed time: 4 h 34 min
